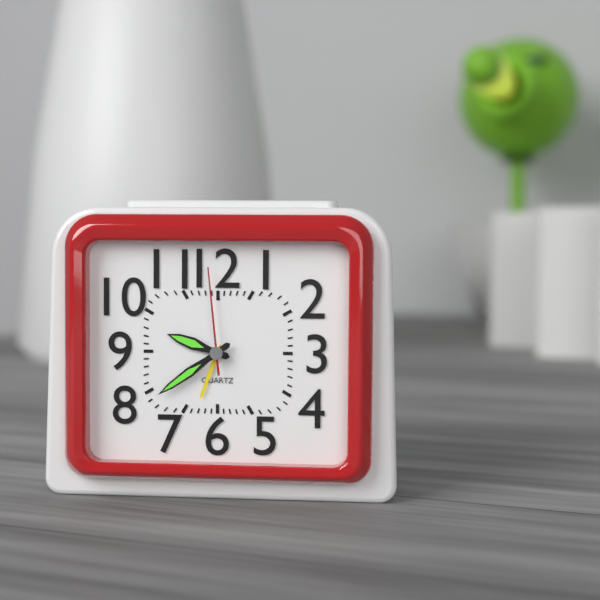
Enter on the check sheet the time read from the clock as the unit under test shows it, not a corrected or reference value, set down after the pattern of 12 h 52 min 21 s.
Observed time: 9 h 39 min 59 s
